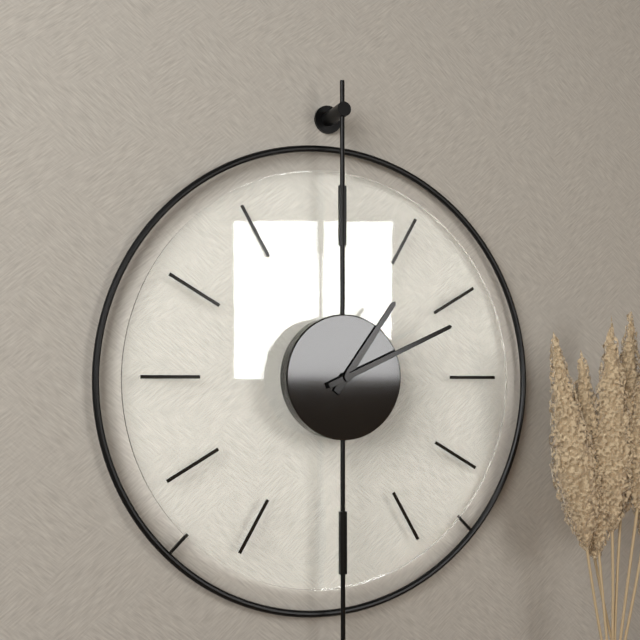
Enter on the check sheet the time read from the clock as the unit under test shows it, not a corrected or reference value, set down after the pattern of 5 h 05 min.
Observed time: 1 h 11 min
